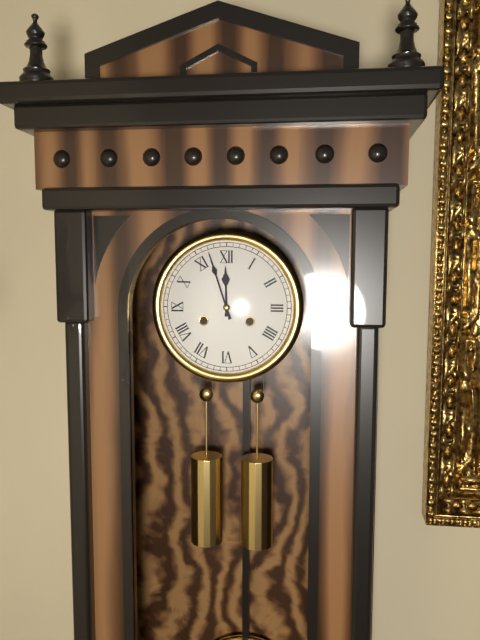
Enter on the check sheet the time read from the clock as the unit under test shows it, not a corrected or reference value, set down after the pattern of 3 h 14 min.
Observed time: 11 h 57 min
